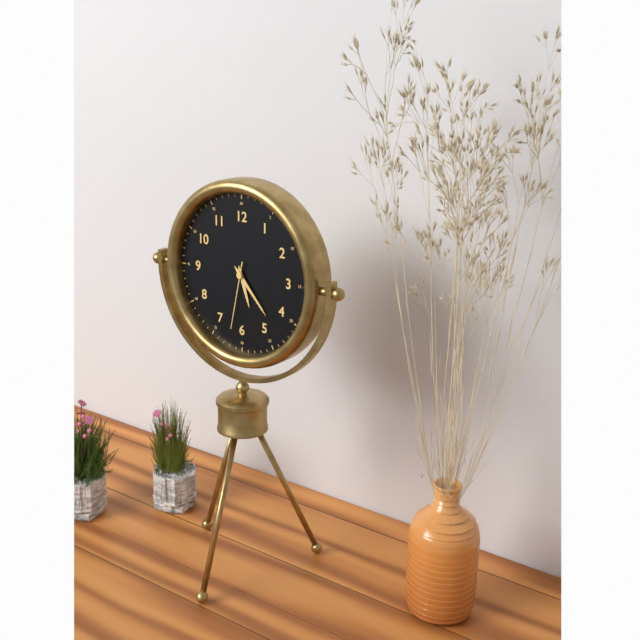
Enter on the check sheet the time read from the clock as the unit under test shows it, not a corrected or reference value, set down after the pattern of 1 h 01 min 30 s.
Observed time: 5 h 23 min 32 s
